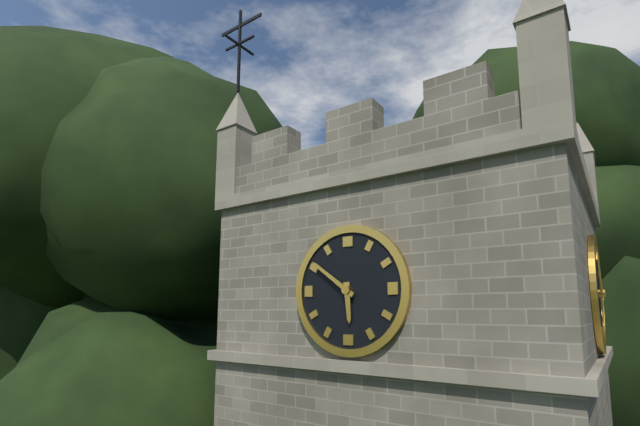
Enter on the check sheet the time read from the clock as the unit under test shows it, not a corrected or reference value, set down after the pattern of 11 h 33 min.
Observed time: 5 h 51 min
